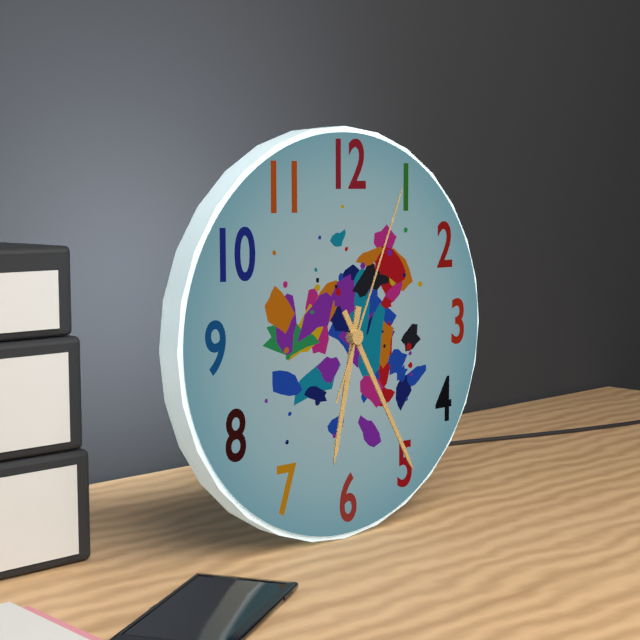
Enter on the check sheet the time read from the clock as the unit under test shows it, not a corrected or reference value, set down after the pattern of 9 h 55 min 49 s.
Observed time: 6 h 25 min 04 s
